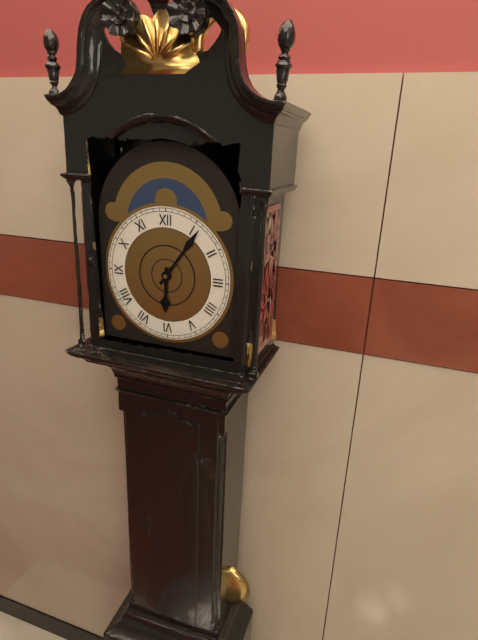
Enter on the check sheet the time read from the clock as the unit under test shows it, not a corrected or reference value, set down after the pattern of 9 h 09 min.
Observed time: 6 h 06 min
